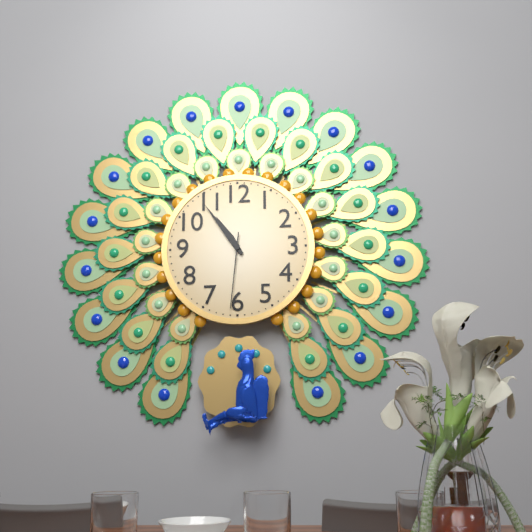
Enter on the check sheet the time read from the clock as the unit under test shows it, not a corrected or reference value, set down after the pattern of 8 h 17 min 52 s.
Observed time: 10 h 54 min 31 s
